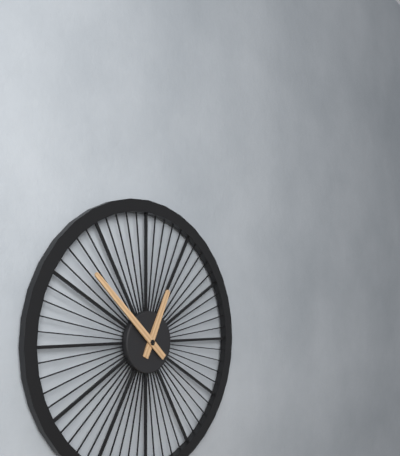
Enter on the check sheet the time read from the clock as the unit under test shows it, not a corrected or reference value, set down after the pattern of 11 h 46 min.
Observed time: 12 h 52 min
